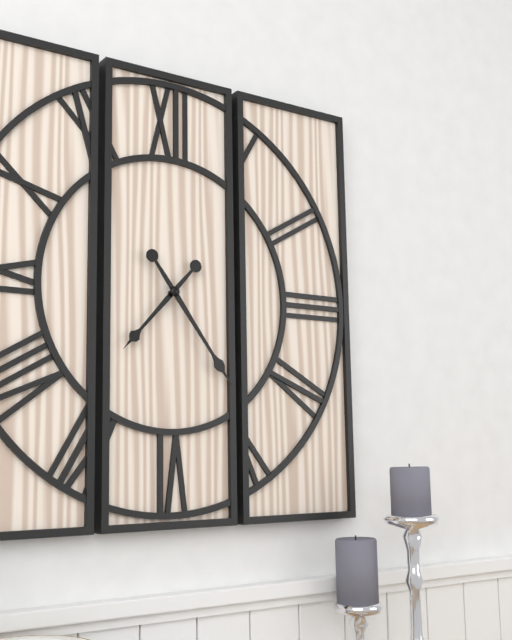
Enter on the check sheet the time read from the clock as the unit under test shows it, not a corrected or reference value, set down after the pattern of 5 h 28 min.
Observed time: 7 h 24 min
